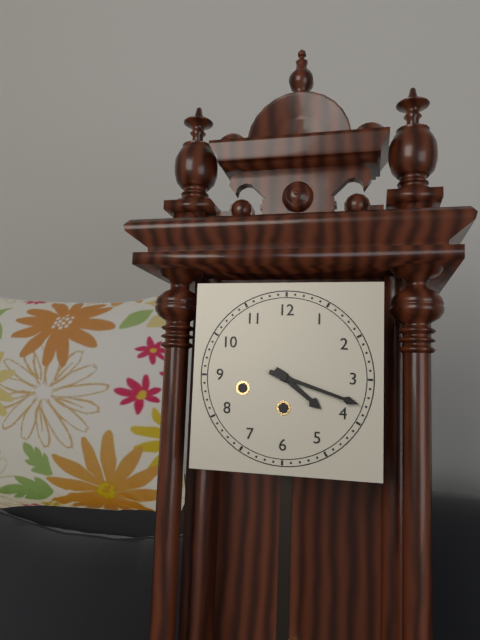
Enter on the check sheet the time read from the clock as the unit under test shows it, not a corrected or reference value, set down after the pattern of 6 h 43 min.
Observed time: 4 h 18 min
